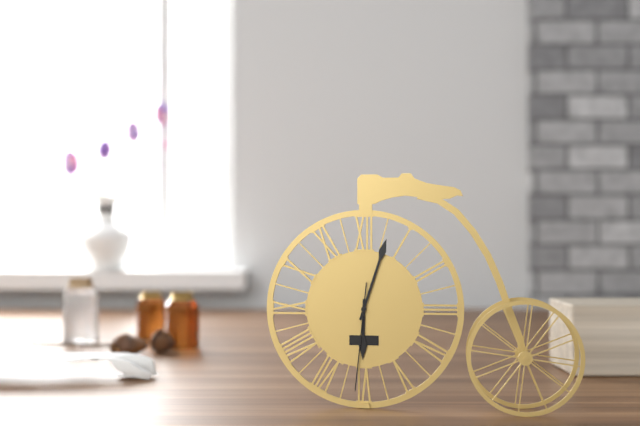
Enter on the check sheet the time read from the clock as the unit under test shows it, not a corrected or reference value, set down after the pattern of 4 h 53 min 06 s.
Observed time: 6 h 03 min 31 s
